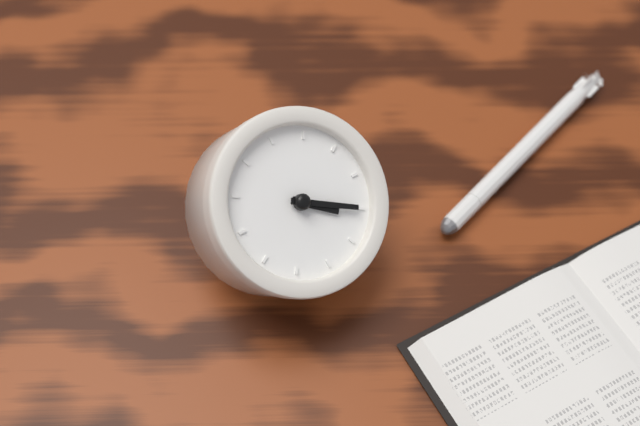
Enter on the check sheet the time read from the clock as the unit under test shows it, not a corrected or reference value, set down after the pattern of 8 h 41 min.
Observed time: 3 h 15 min
